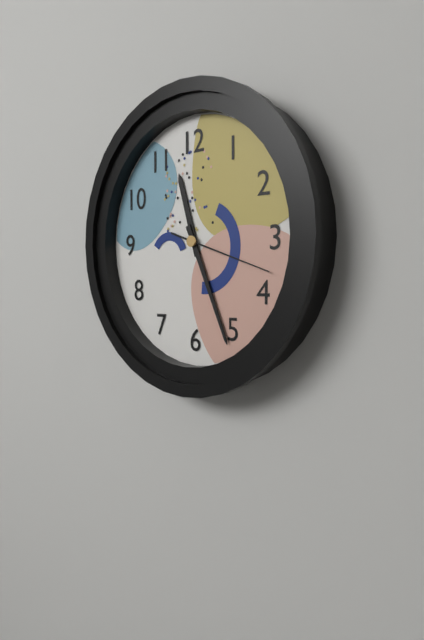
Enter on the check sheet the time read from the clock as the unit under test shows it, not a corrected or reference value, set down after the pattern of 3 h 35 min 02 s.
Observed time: 11 h 26 min 18 s
